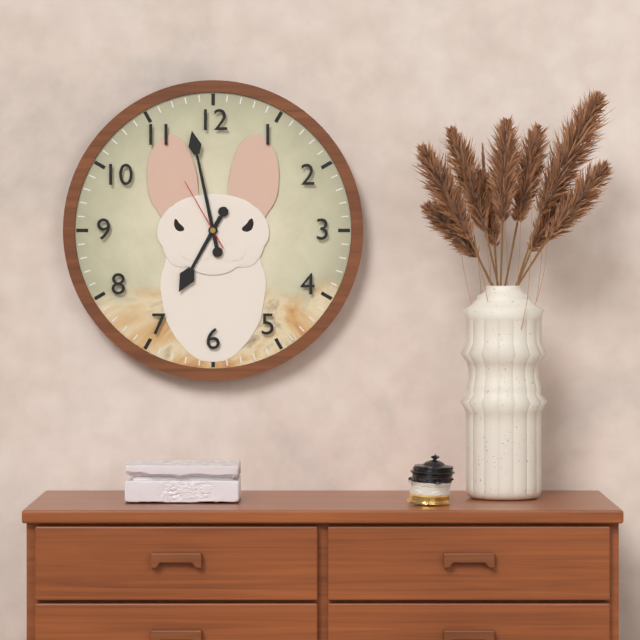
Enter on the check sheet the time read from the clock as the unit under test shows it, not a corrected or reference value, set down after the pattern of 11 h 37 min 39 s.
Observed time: 6 h 58 min 55 s
